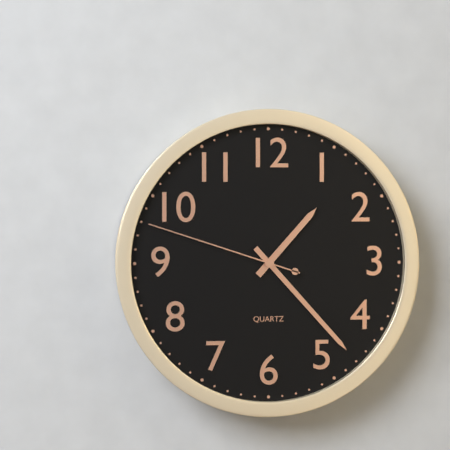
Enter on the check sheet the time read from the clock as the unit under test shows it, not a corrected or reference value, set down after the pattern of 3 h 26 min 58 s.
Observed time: 1 h 23 min 48 s
